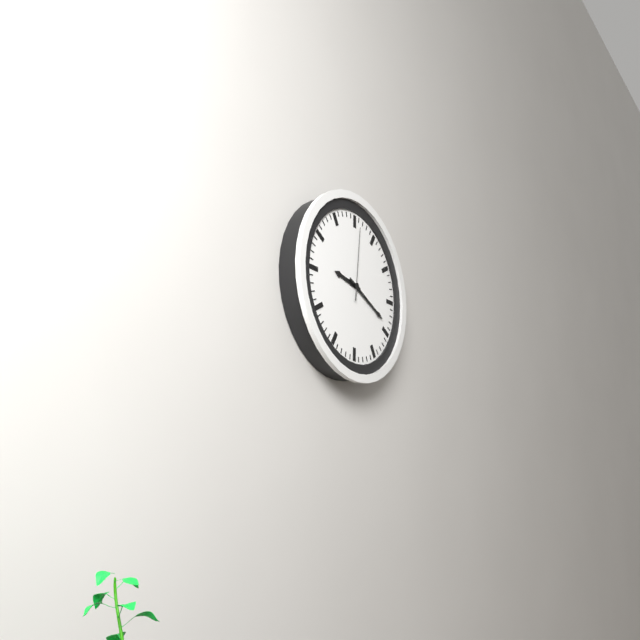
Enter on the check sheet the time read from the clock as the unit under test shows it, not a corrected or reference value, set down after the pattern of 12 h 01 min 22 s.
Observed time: 9 h 19 min 01 s
